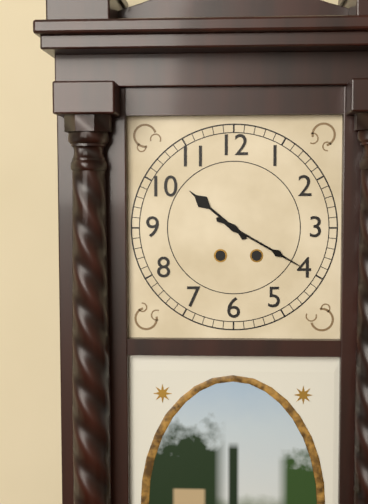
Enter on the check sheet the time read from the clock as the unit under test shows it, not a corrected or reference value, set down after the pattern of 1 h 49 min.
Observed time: 10 h 20 min
